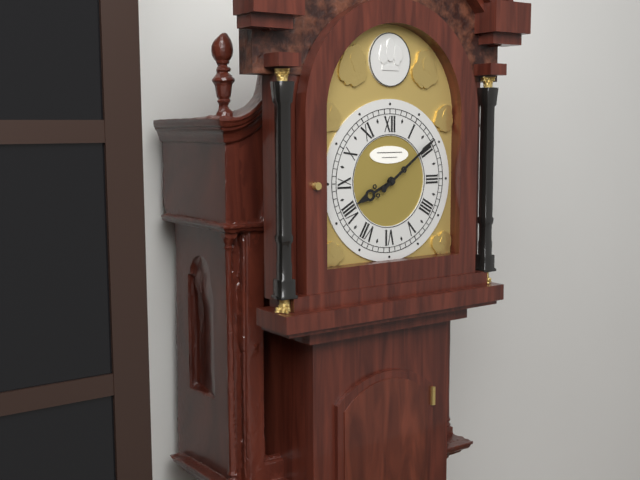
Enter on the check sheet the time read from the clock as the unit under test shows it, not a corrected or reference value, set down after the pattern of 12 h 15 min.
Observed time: 8 h 09 min
